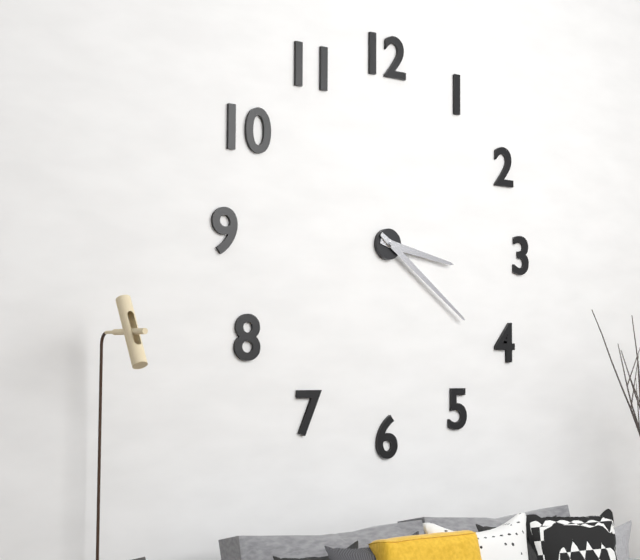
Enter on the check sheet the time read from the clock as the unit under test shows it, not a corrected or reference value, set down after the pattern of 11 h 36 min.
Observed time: 3 h 21 min
